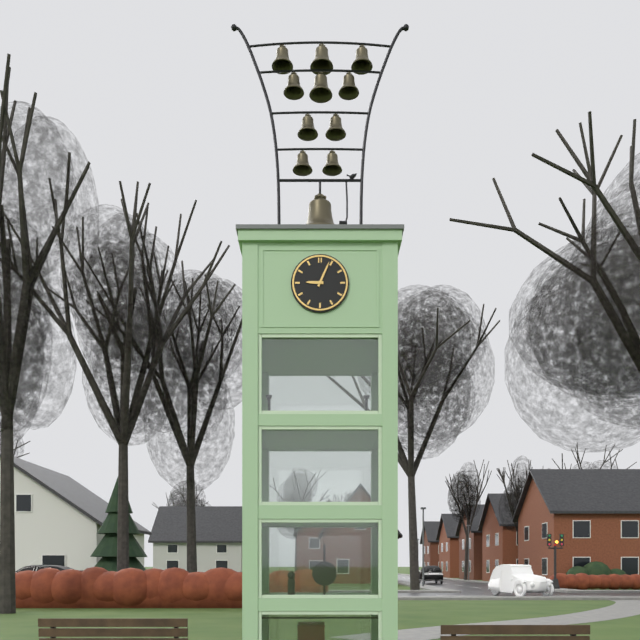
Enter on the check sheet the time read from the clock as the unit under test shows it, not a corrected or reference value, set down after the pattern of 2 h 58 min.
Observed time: 9 h 04 min
